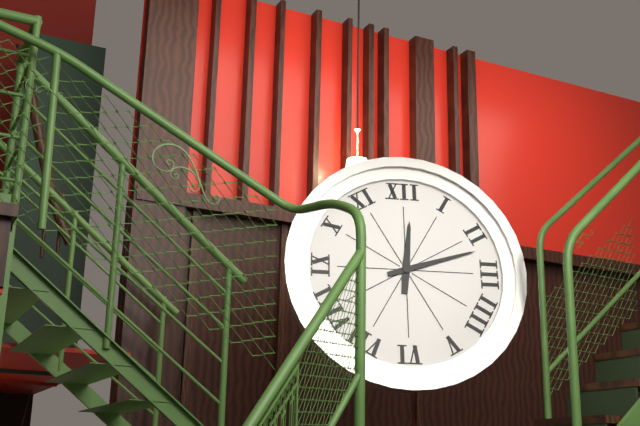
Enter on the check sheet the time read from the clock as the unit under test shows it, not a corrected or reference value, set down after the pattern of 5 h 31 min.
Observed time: 12 h 12 min
